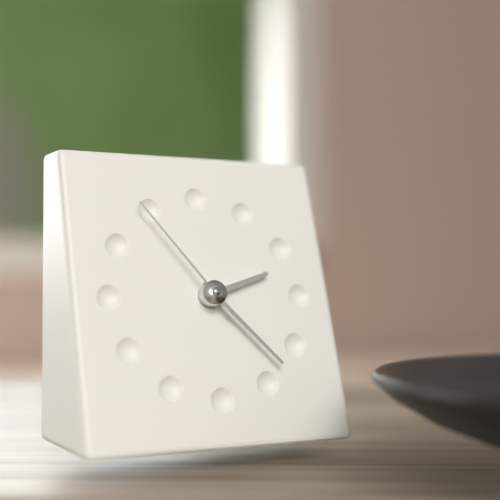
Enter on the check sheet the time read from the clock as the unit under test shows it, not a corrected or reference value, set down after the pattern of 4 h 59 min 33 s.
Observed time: 2 h 23 min 54 s
